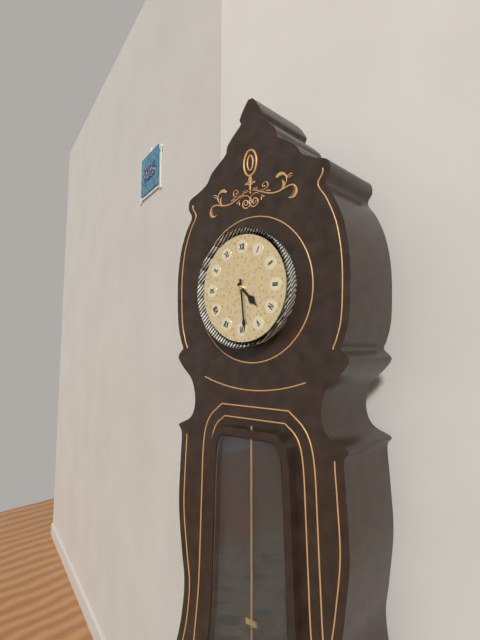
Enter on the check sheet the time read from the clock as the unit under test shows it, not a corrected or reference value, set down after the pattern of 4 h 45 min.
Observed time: 4 h 29 min
